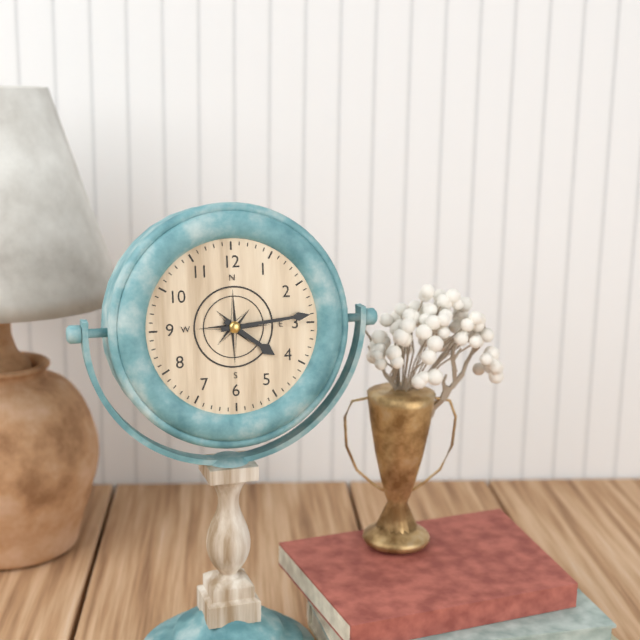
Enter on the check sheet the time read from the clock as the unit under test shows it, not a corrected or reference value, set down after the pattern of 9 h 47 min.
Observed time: 4 h 14 min
